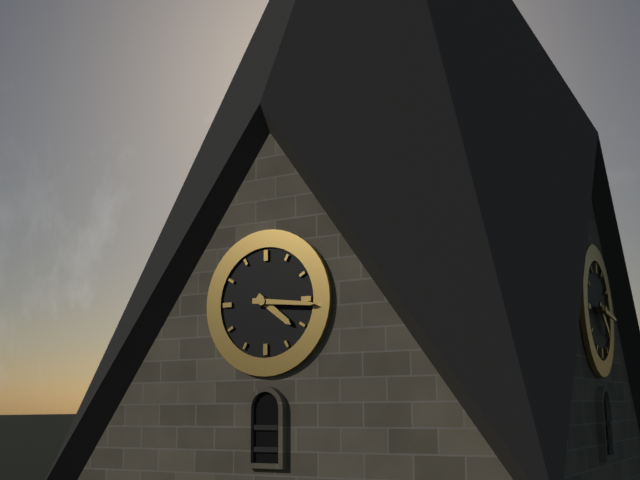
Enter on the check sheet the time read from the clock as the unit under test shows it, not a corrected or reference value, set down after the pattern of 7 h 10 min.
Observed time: 4 h 16 min
